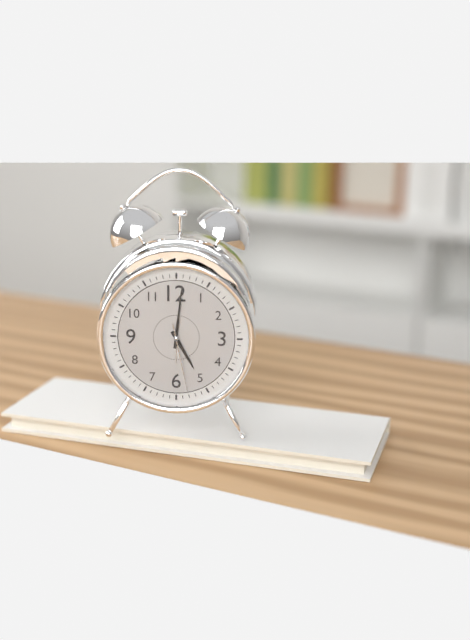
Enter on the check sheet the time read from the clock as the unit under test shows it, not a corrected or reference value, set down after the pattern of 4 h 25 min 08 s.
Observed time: 5 h 01 min 28 s
